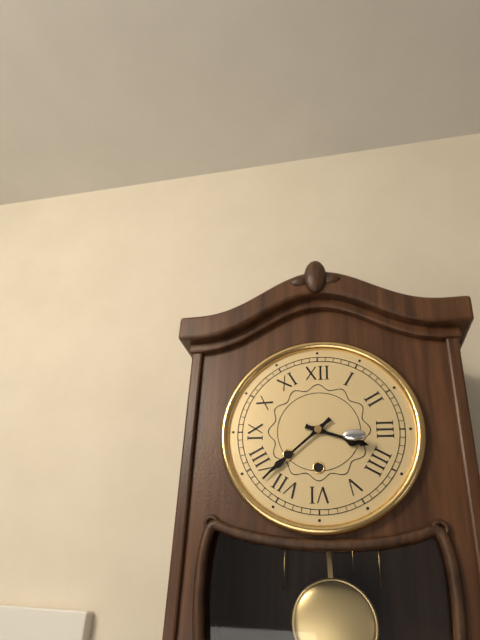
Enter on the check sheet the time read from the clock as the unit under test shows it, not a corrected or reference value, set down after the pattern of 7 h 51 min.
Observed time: 3 h 38 min
